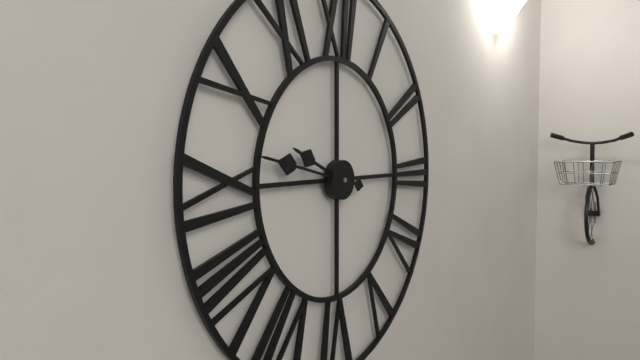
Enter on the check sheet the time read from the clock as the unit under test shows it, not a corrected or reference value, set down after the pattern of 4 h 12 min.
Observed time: 9 h 47 min
